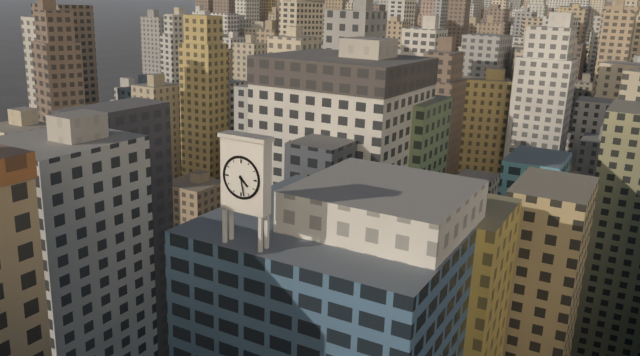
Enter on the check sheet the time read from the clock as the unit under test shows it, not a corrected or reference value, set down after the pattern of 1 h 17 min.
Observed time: 4 h 28 min
